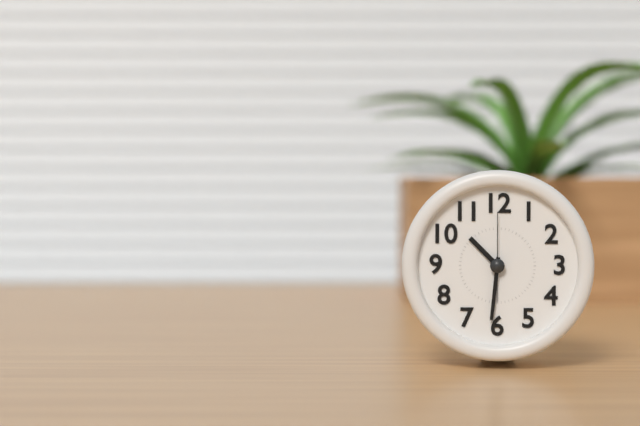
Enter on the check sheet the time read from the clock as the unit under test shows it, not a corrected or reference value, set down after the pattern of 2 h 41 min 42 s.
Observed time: 10 h 31 min 00 s
